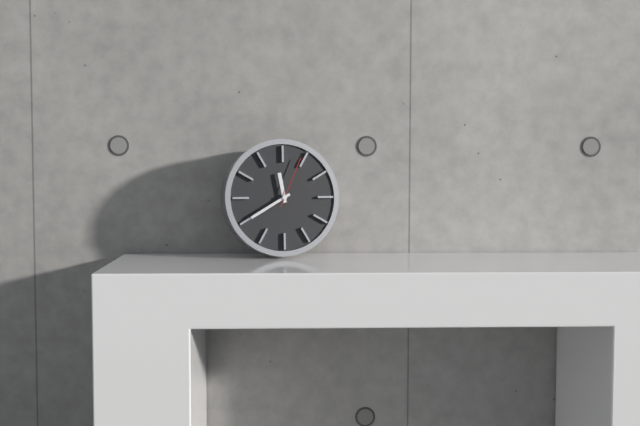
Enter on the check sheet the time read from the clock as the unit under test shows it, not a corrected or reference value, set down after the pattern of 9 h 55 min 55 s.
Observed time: 11 h 40 min 04 s
